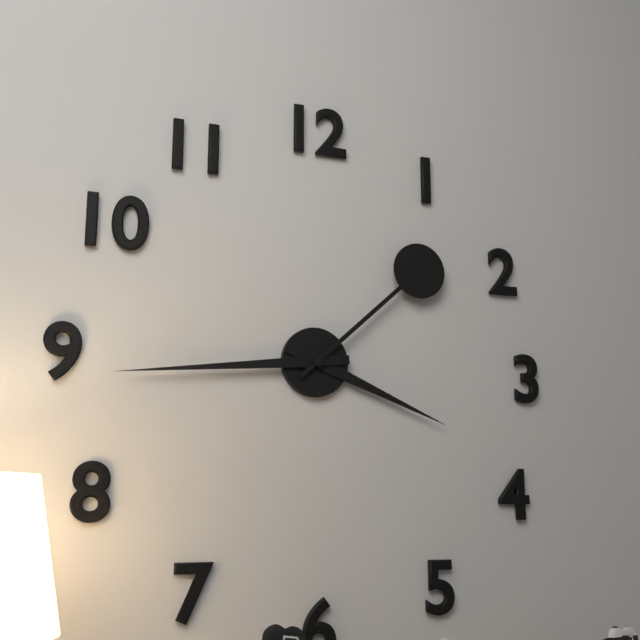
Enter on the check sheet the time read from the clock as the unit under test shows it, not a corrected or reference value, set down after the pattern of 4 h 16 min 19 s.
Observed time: 3 h 44 min 08 s
